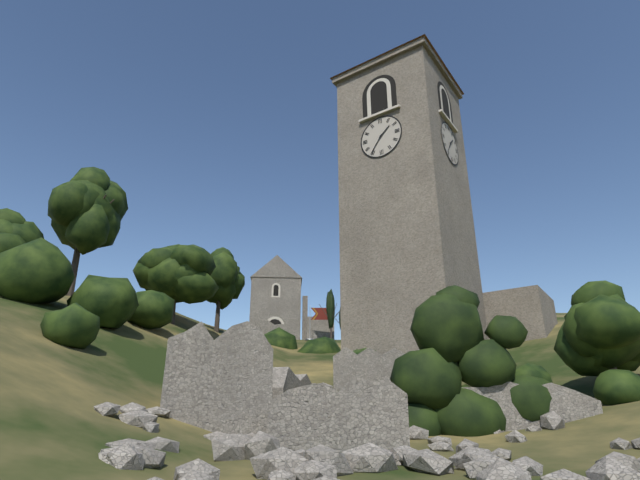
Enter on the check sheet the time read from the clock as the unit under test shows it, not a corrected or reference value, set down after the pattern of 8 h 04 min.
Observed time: 1 h 36 min
